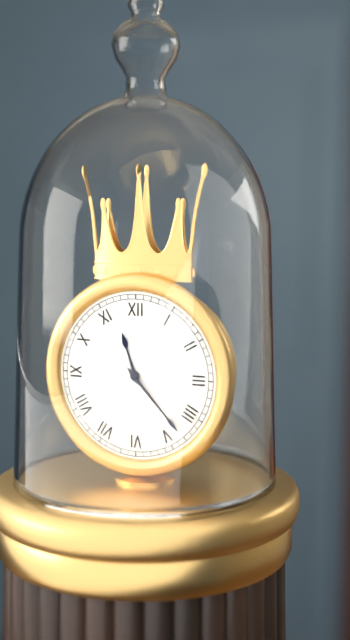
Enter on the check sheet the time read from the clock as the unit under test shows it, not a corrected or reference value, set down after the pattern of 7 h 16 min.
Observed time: 11 h 23 min
